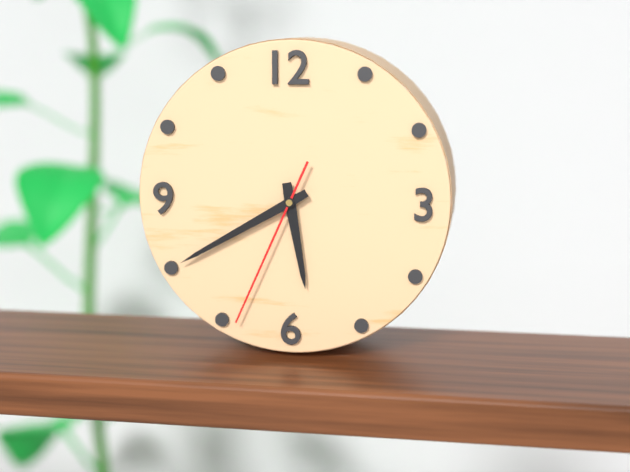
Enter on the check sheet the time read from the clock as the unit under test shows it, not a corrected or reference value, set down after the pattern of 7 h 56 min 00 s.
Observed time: 5 h 40 min 34 s
